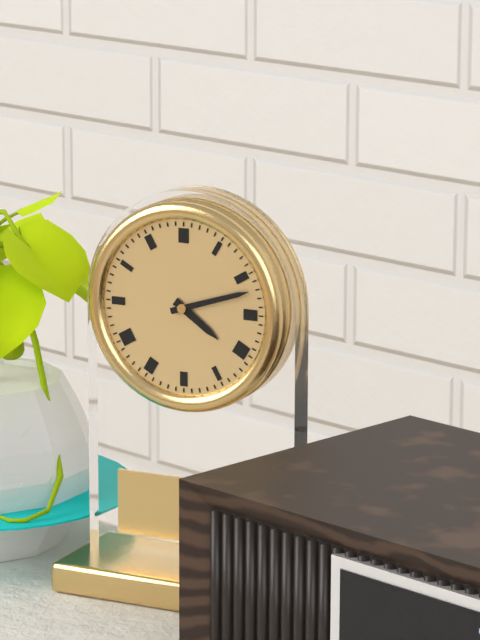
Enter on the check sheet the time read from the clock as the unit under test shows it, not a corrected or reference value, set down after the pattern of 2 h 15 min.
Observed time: 4 h 12 min
